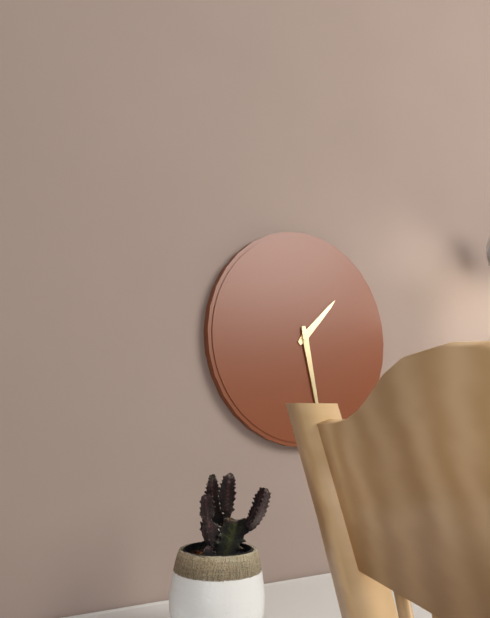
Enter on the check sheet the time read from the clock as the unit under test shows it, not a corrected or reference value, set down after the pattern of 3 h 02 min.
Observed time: 1 h 28 min
